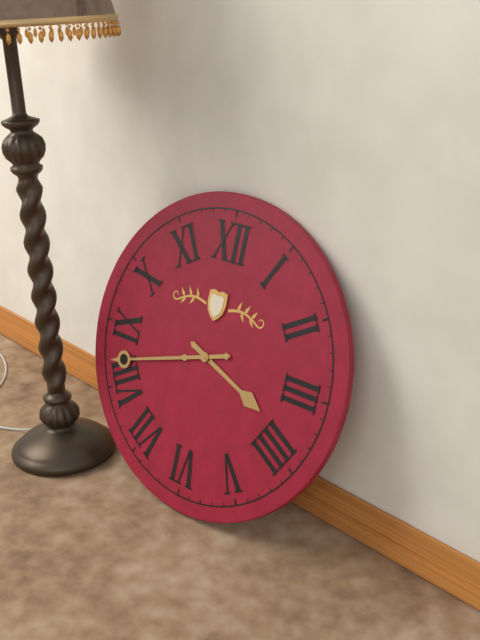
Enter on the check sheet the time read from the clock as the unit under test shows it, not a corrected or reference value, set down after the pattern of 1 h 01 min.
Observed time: 3 h 42 min
